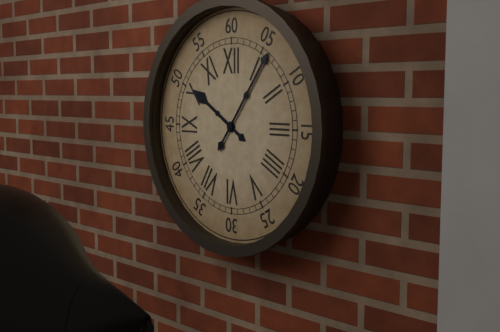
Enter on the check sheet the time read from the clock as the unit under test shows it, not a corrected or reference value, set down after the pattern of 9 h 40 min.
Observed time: 10 h 06 min
